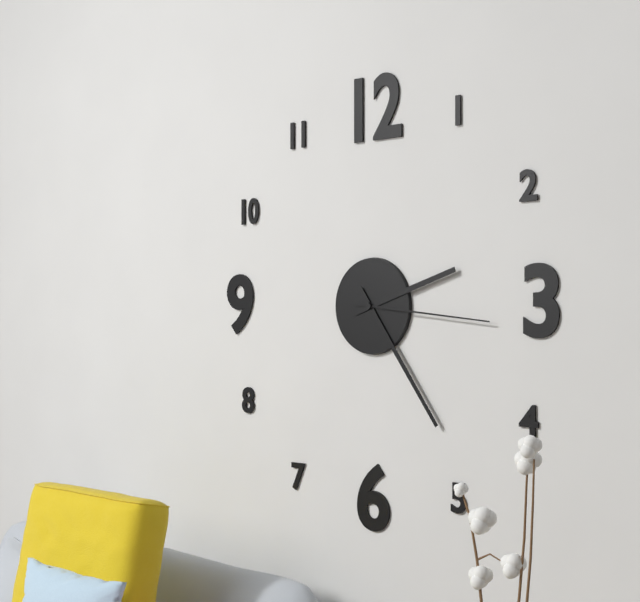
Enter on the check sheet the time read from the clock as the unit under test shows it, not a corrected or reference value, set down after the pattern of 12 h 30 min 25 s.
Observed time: 2 h 24 min 16 s
